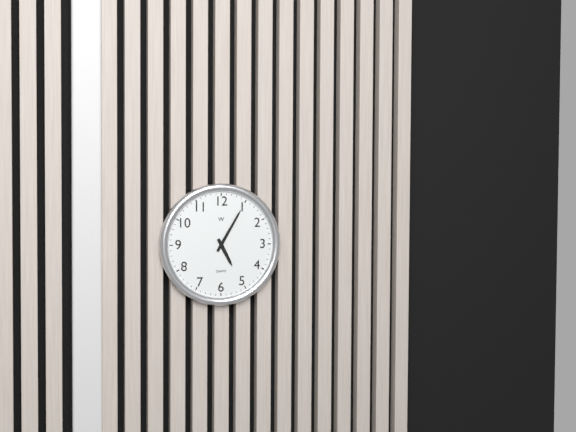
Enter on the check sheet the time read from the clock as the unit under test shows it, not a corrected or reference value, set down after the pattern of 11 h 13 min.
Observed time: 5 h 05 min
